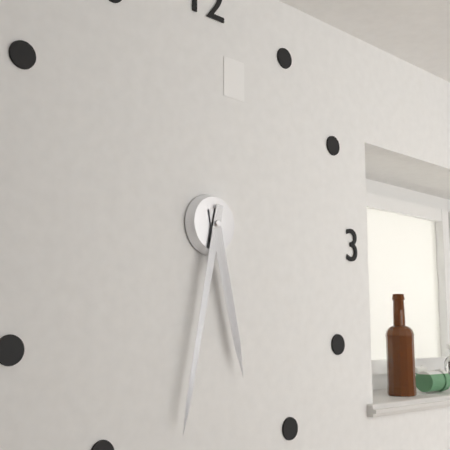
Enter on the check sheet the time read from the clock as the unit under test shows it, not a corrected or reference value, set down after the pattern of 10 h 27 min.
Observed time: 5 h 32 min
